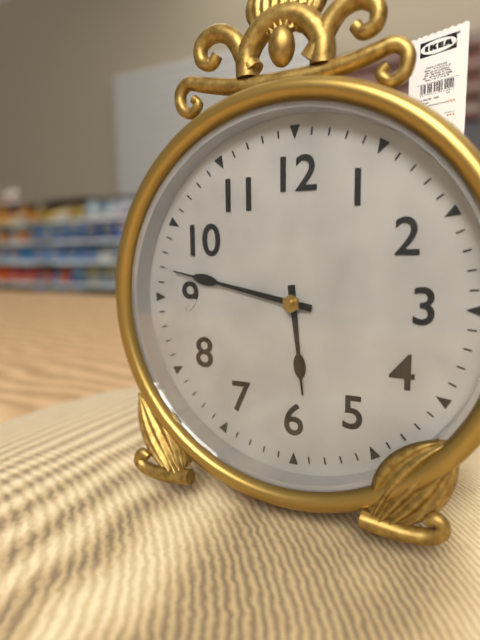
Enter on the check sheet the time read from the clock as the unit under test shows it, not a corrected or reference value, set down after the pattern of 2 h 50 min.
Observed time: 5 h 47 min
